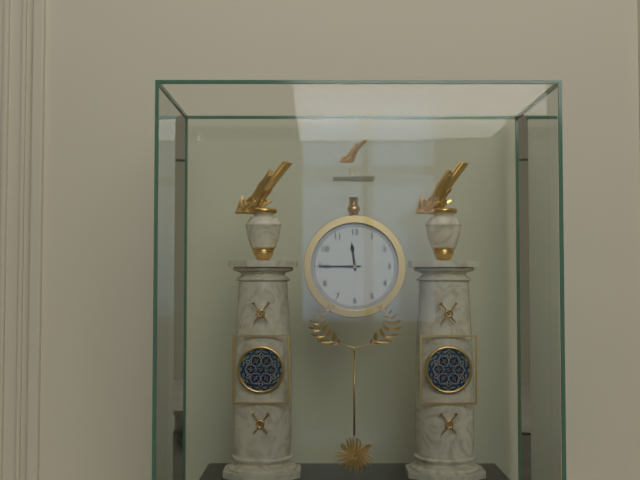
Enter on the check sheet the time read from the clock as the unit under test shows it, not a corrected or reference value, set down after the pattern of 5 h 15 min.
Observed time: 11 h 45 min
